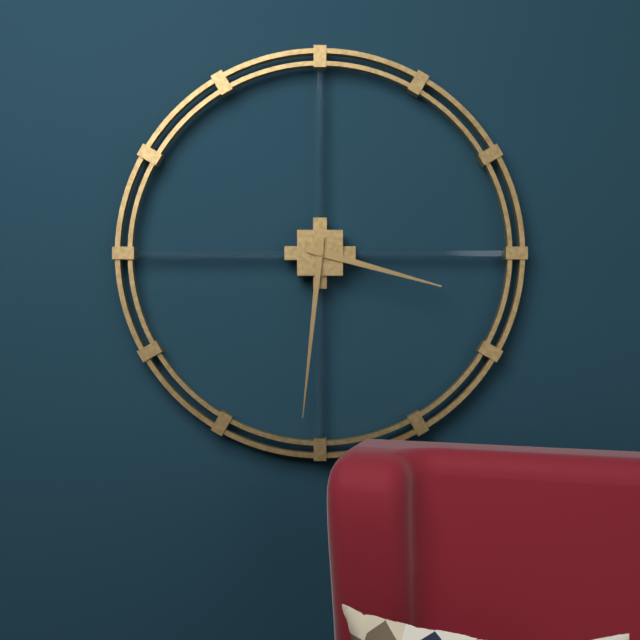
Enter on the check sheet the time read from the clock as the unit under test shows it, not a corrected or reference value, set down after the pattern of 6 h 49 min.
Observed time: 3 h 31 min
